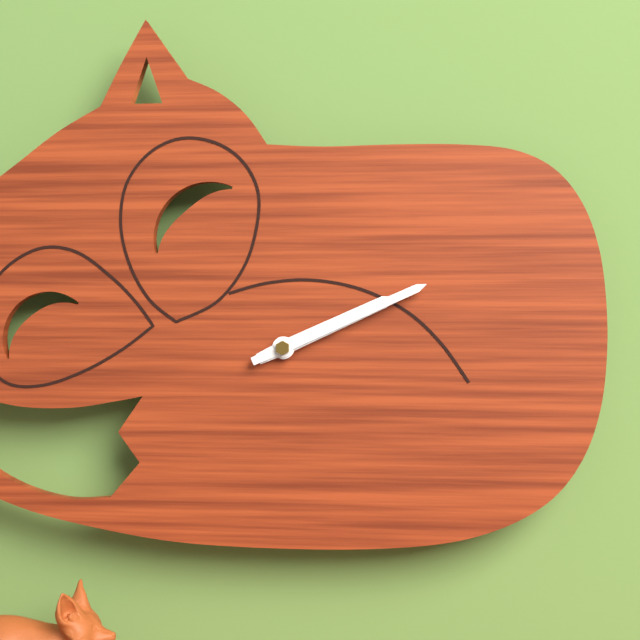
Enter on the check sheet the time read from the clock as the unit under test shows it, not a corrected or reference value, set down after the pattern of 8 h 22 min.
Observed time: 2 h 11 min
